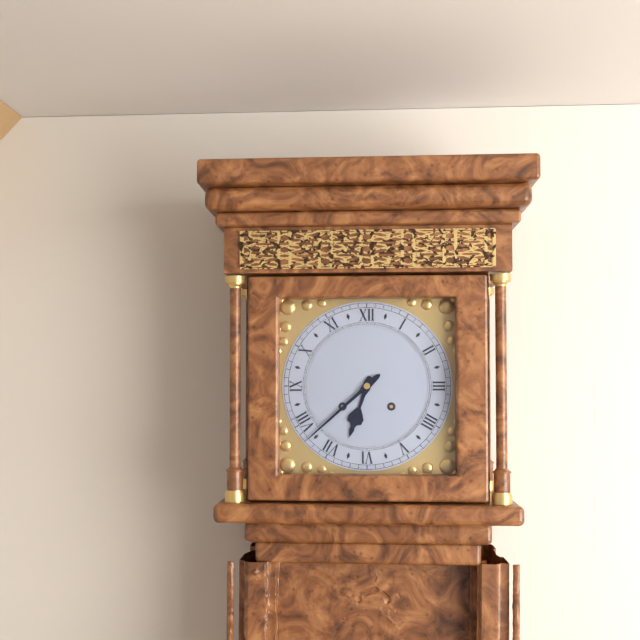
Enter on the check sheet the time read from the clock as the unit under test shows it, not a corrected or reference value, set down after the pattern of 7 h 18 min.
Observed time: 6 h 38 min
